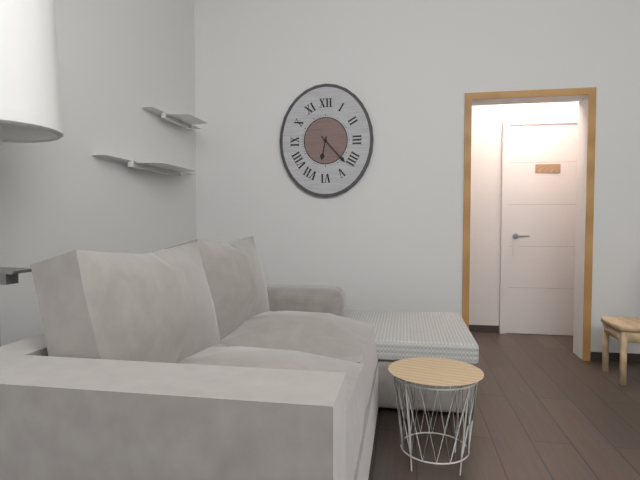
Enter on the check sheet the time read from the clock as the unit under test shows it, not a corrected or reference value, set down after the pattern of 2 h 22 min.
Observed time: 6 h 23 min
